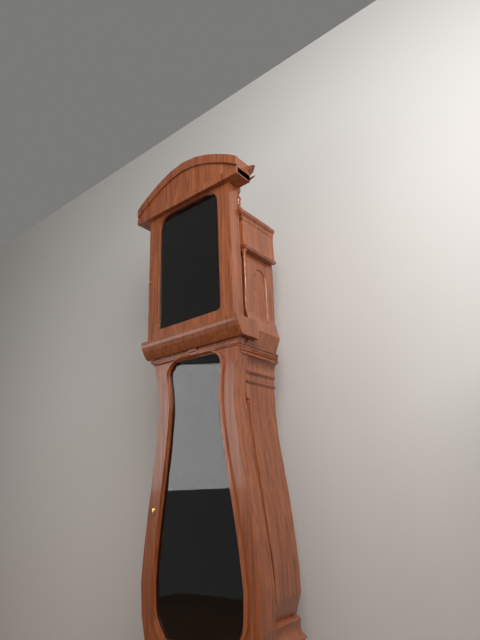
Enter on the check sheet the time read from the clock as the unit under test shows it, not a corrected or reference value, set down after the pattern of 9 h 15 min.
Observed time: 9 h 12 min
